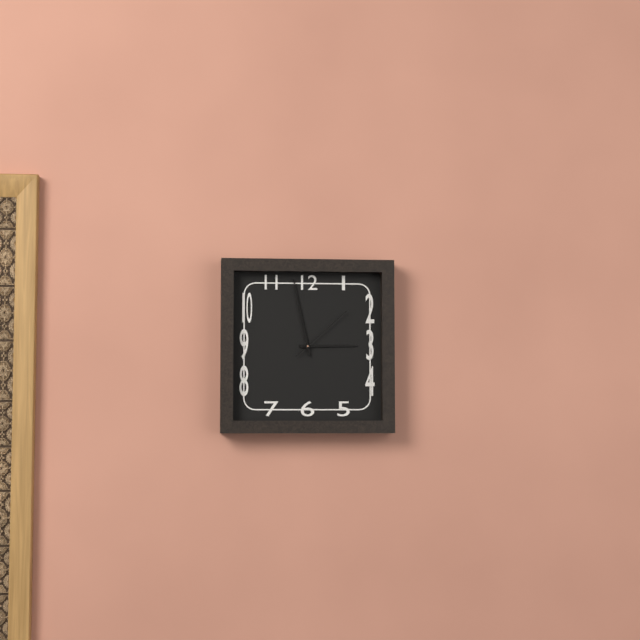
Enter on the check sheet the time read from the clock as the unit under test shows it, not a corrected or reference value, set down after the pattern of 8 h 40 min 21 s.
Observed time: 2 h 58 min 08 s
